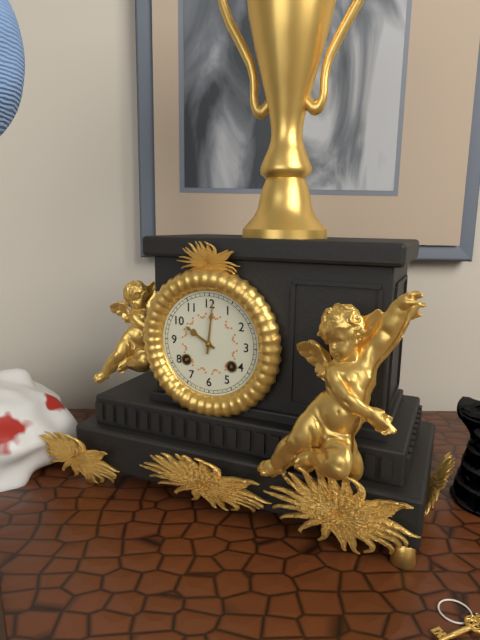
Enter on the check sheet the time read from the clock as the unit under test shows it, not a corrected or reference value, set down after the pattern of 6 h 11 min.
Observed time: 10 h 01 min
